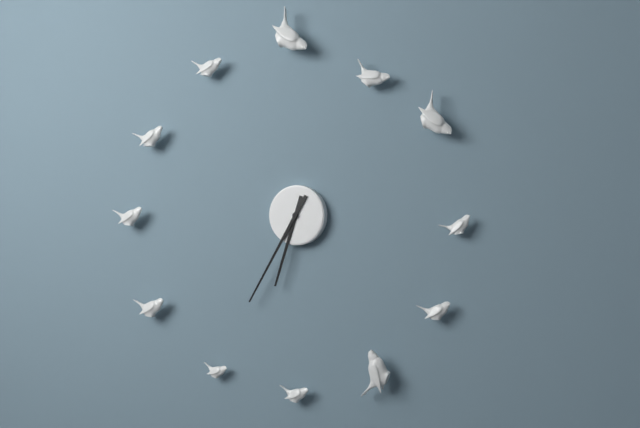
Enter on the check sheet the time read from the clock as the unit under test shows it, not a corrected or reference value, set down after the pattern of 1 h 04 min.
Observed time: 6 h 35 min
